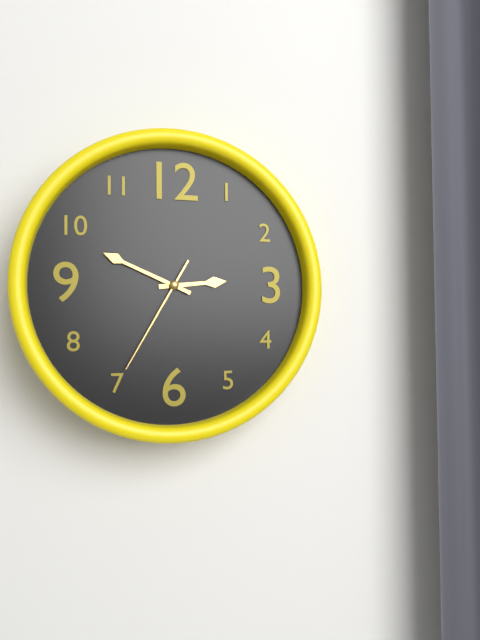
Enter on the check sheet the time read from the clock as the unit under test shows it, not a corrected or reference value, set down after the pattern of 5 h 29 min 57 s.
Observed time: 2 h 49 min 35 s
